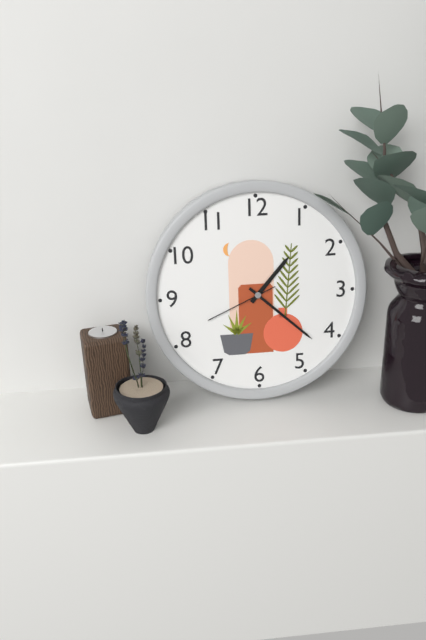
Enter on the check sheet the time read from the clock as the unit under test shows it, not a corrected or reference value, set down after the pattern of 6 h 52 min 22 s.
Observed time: 1 h 22 min 41 s
